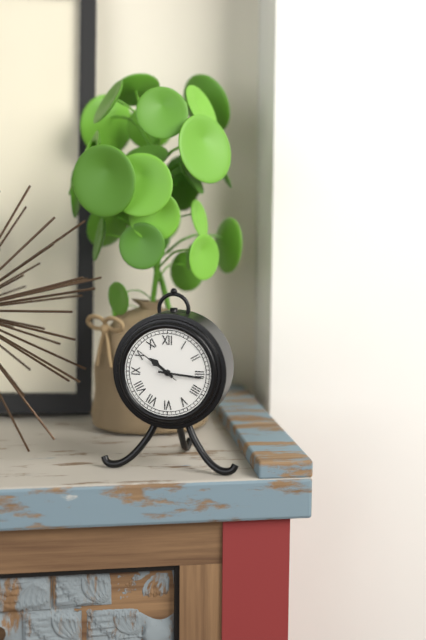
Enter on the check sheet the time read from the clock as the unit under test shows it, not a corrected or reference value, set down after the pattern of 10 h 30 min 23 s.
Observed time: 10 h 16 min 51 s
